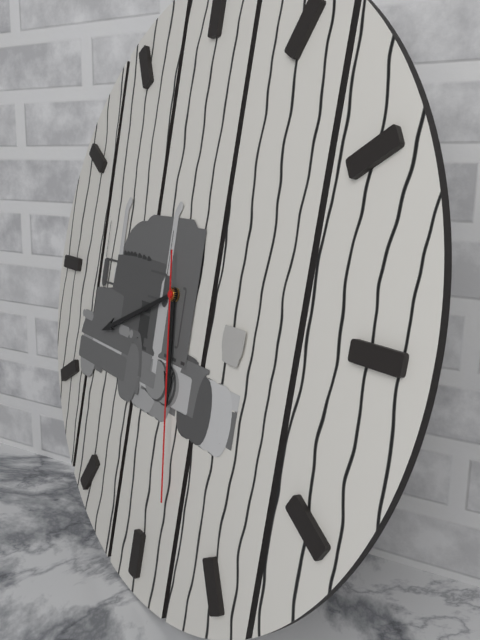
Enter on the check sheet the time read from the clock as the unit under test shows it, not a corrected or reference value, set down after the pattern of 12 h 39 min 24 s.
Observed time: 5 h 41 min 28 s
